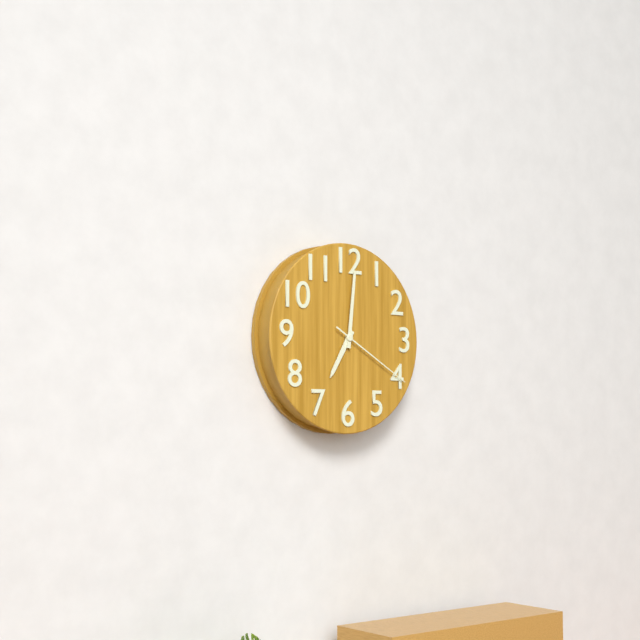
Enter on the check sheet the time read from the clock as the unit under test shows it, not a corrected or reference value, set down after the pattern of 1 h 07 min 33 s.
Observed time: 7 h 01 min 20 s
